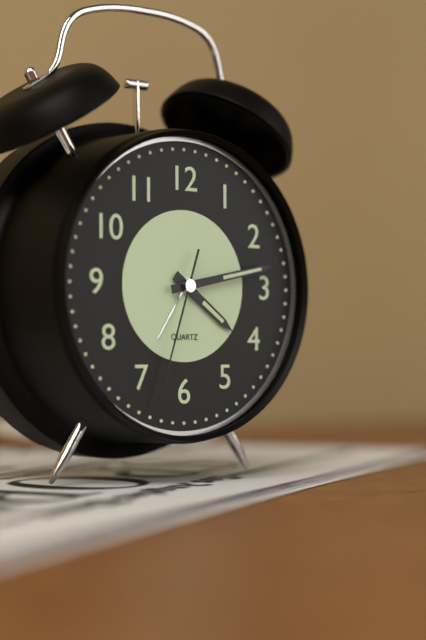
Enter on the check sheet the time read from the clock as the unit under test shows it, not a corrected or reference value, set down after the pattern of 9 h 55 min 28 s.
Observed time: 4 h 13 min 33 s
